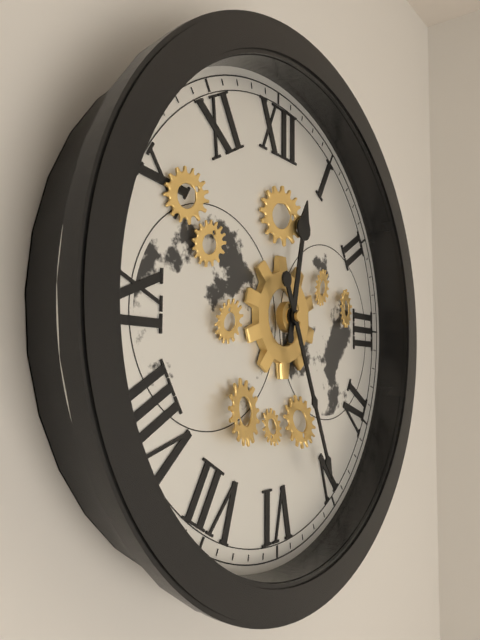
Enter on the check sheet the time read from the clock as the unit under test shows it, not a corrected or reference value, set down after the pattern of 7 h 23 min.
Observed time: 12 h 26 min
